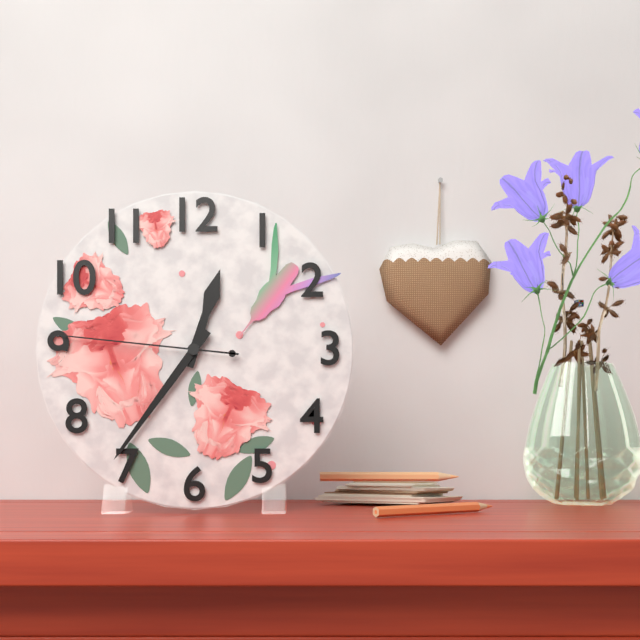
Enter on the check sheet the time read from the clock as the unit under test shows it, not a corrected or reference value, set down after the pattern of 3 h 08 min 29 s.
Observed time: 12 h 36 min 46 s
